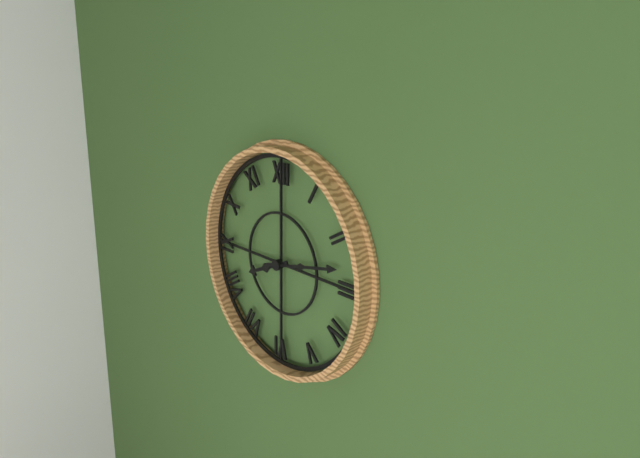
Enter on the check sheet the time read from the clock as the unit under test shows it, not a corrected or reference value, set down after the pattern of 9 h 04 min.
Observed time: 8 h 13 min
